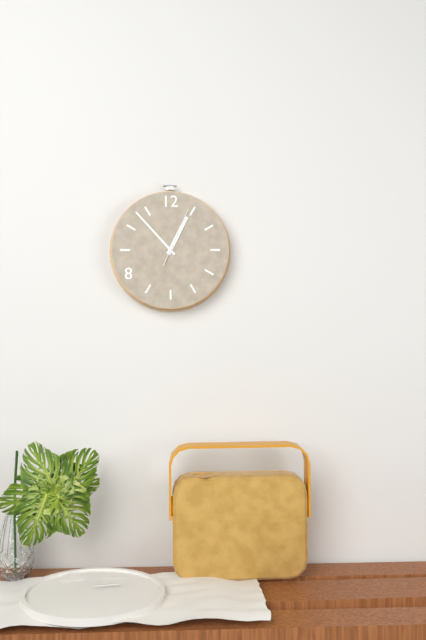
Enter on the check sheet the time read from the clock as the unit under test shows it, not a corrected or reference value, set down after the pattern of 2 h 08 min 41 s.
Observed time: 12 h 53 min 04 s
